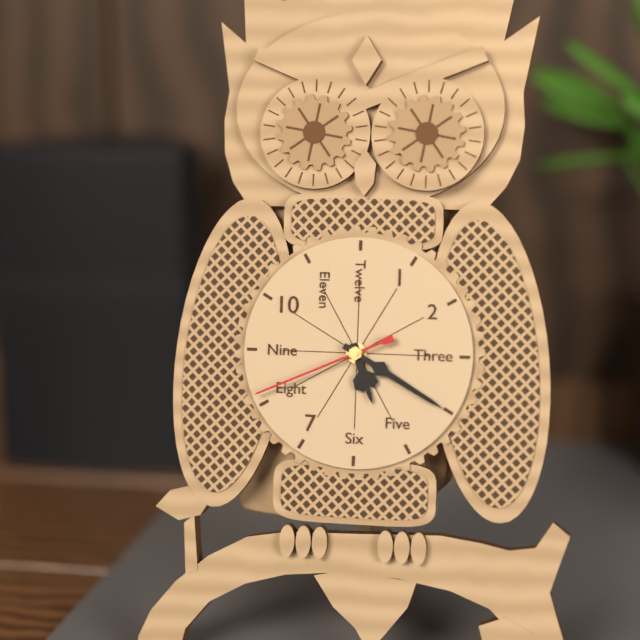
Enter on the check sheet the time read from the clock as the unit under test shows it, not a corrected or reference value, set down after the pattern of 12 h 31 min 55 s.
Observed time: 5 h 20 min 41 s
